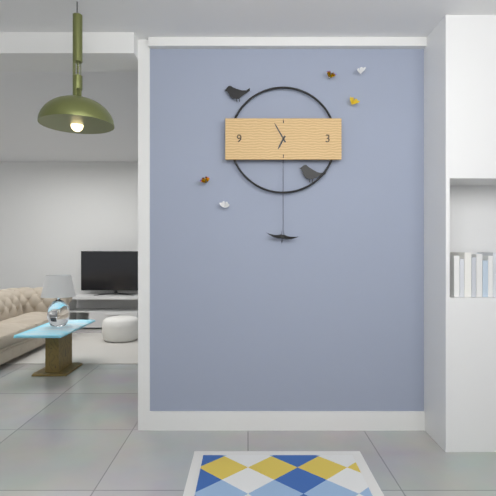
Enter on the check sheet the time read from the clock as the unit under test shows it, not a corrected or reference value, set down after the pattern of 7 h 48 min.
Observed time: 6 h 55 min
